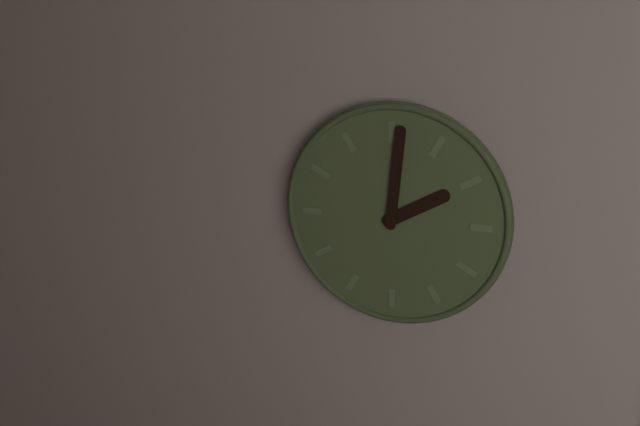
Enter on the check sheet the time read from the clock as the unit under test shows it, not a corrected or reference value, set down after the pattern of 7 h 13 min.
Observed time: 2 h 01 min
